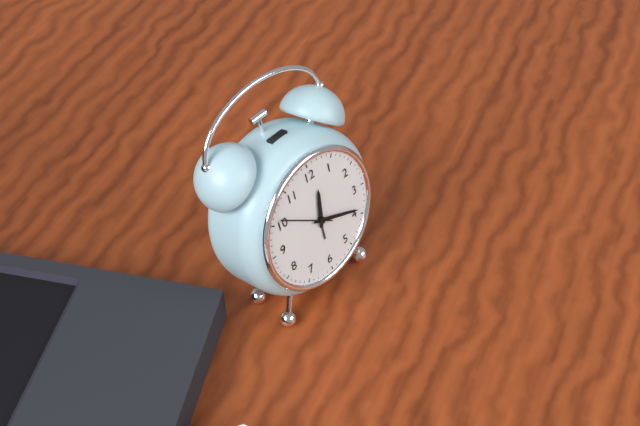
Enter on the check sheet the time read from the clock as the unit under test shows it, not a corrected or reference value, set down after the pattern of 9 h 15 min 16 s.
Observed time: 12 h 19 min 51 s
